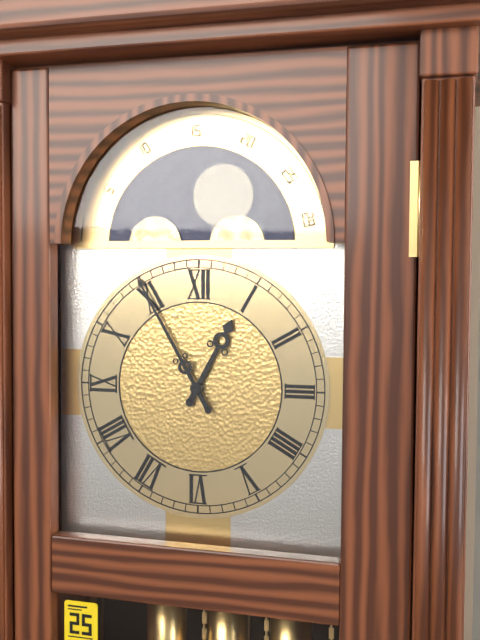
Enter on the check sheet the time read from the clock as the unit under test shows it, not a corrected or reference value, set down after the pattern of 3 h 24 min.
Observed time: 12 h 55 min
